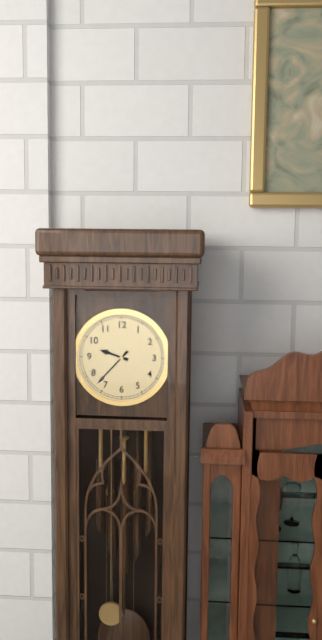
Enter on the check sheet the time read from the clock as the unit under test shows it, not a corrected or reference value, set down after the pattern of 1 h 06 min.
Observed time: 9 h 37 min
